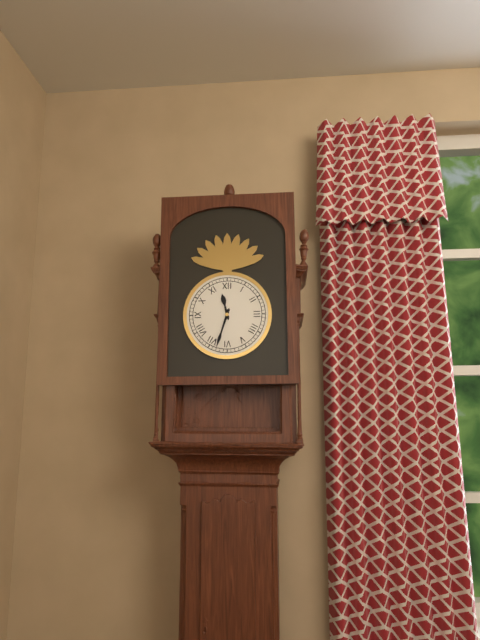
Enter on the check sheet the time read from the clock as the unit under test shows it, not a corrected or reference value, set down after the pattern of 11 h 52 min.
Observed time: 11 h 33 min
